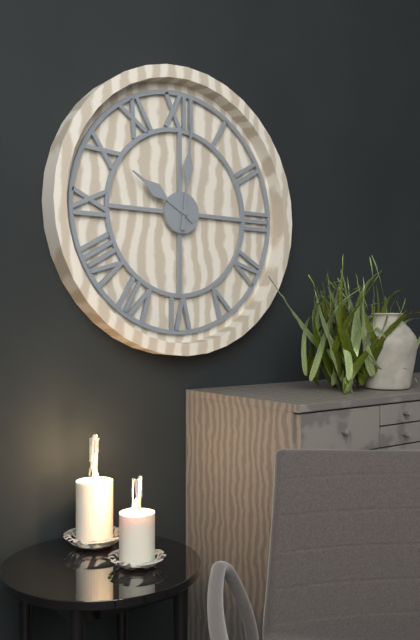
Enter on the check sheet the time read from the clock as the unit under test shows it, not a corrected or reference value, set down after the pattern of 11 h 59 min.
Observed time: 10 h 01 min
